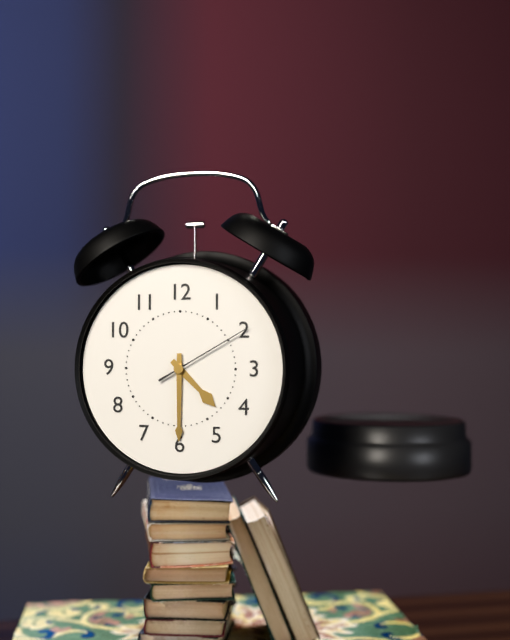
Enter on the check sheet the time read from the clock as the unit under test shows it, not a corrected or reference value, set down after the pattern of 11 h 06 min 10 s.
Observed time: 4 h 30 min 10 s
